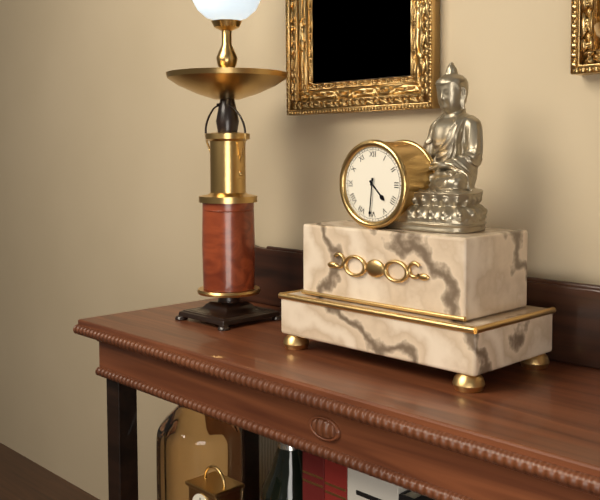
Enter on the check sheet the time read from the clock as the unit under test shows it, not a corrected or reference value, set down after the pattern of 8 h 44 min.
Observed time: 4 h 31 min
